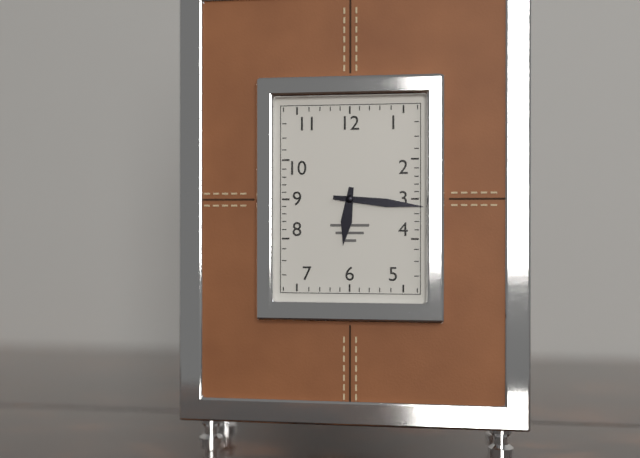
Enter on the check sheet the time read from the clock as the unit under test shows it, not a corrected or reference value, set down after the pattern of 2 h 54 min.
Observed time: 6 h 16 min
